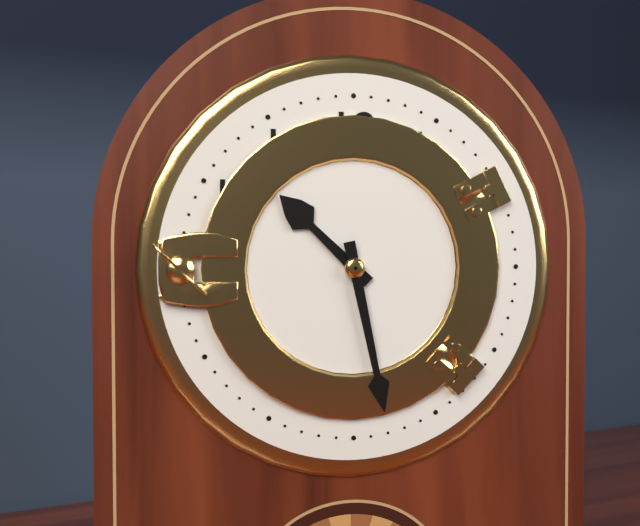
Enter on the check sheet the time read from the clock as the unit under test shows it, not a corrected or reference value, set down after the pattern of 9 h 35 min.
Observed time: 10 h 28 min
